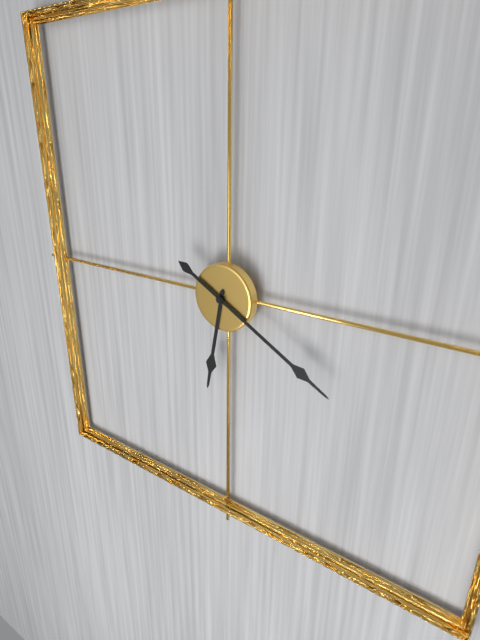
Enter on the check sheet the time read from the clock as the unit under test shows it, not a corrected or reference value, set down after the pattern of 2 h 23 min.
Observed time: 6 h 20 min
